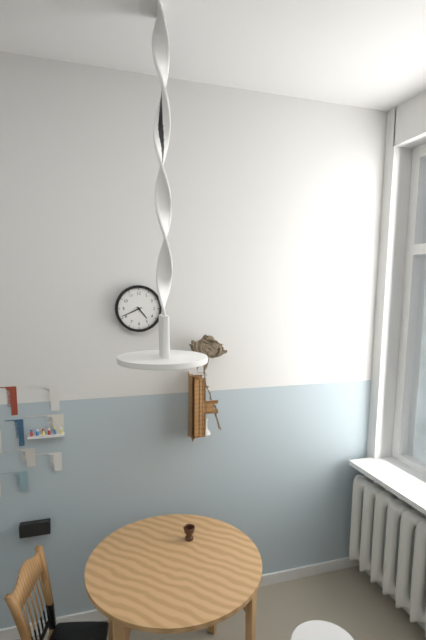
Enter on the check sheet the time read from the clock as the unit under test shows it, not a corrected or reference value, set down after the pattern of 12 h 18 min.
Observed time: 4 h 41 min
